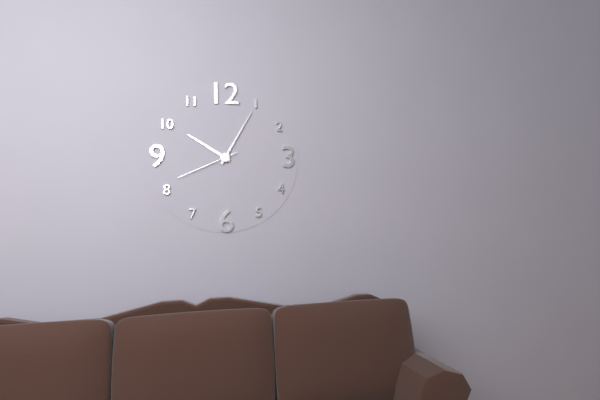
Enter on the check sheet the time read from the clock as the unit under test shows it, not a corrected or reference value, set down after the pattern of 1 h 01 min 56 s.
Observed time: 10 h 05 min 41 s
